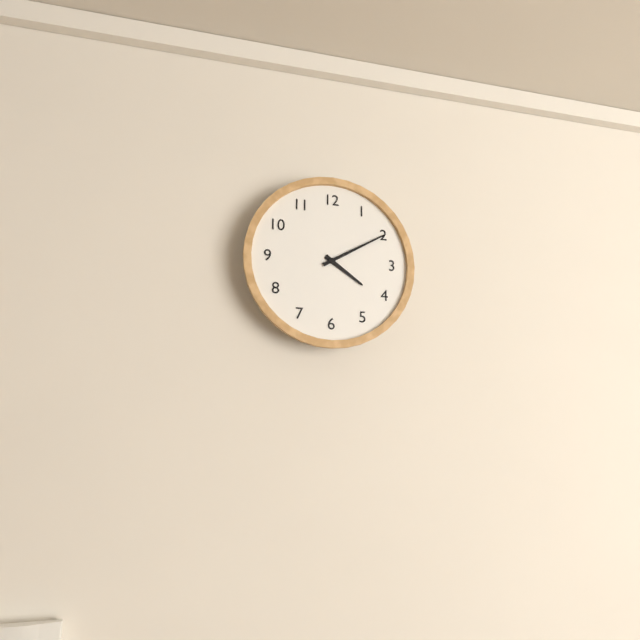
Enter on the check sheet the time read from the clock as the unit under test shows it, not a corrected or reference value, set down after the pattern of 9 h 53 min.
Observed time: 4 h 10 min
